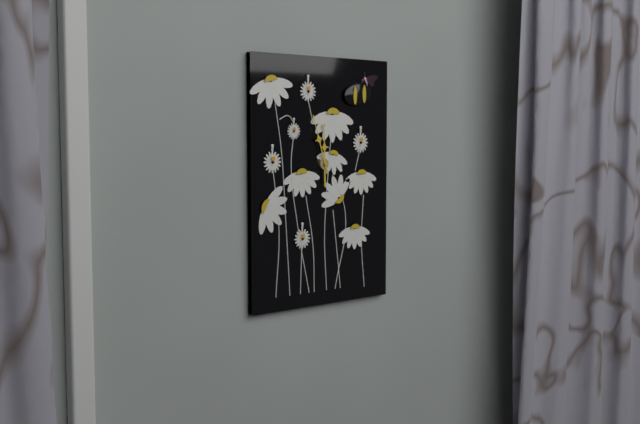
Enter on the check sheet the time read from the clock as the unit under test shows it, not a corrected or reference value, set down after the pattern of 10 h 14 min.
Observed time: 11 h 57 min
